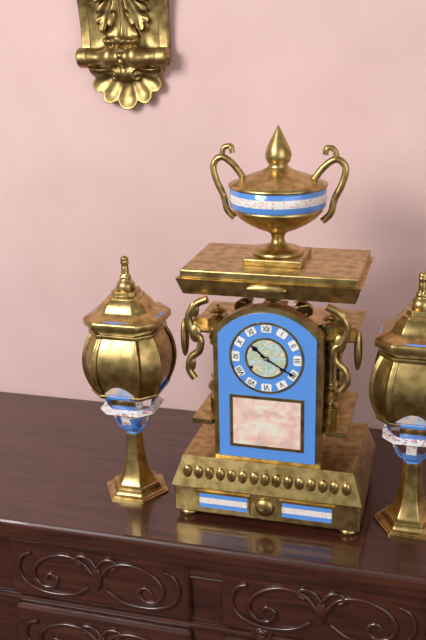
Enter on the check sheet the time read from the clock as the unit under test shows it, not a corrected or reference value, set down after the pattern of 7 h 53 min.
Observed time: 10 h 20 min
